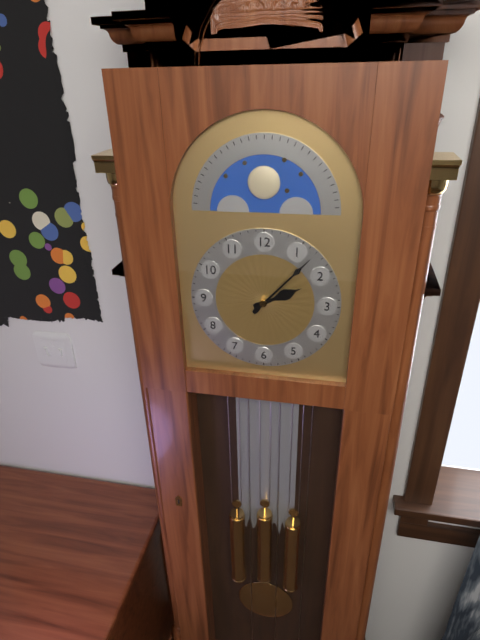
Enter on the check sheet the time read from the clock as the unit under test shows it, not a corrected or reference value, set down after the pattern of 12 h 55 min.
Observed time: 2 h 07 min
